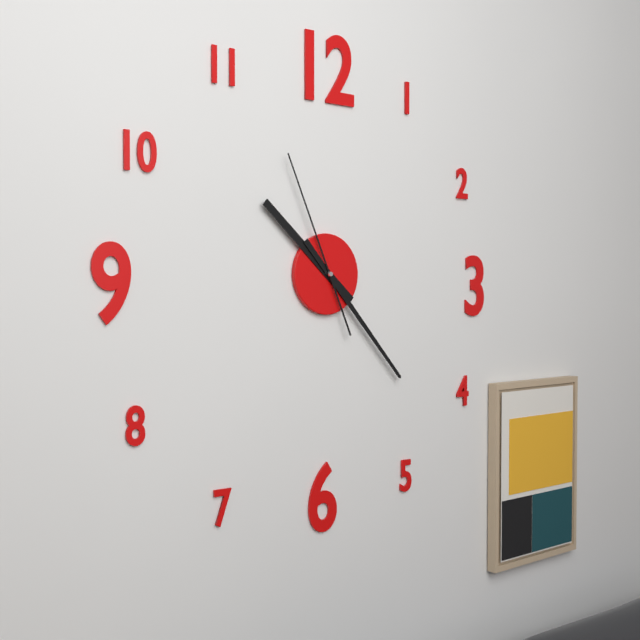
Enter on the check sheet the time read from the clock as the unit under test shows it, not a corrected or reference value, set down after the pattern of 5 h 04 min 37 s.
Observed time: 10 h 23 min 56 s
